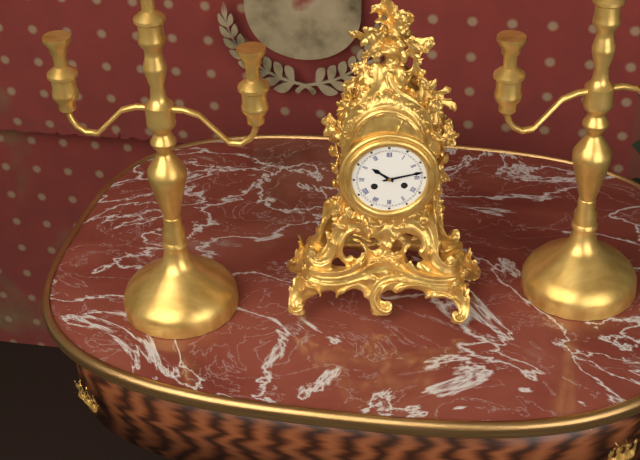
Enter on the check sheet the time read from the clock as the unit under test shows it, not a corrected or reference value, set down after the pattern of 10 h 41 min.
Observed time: 10 h 13 min
